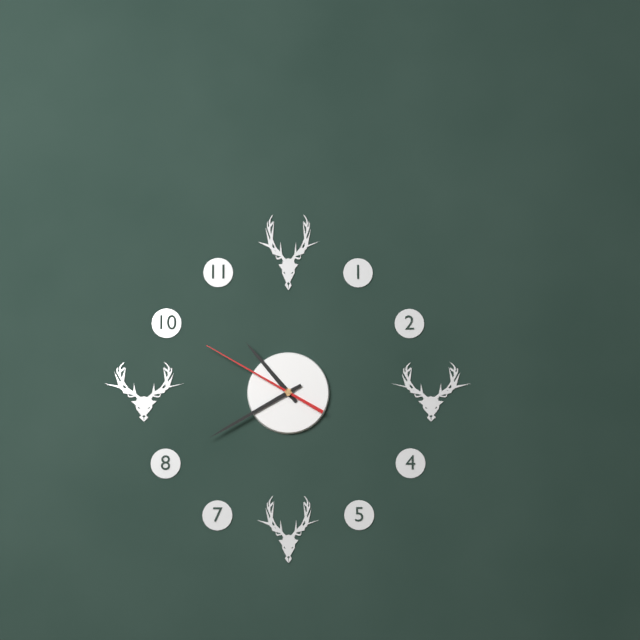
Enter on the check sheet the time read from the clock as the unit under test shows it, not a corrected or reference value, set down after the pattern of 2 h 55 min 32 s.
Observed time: 10 h 40 min 50 s
